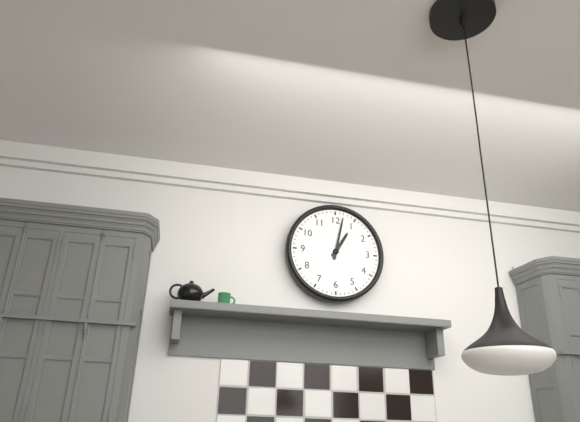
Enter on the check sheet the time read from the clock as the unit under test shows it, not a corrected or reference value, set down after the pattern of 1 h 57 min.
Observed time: 1 h 02 min
